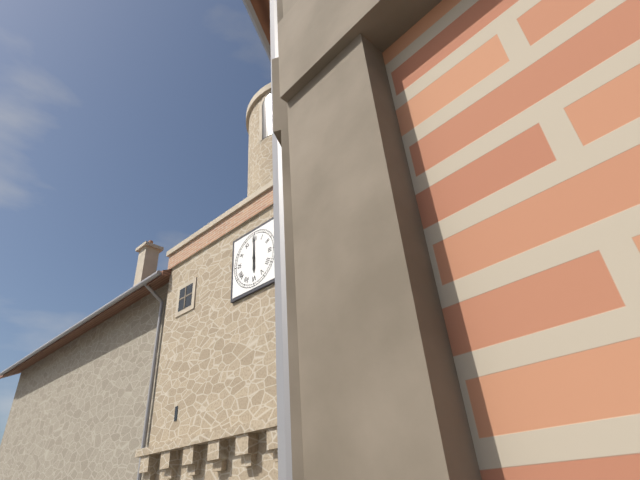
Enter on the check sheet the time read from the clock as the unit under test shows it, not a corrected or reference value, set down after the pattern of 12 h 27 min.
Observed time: 6 h 00 min
